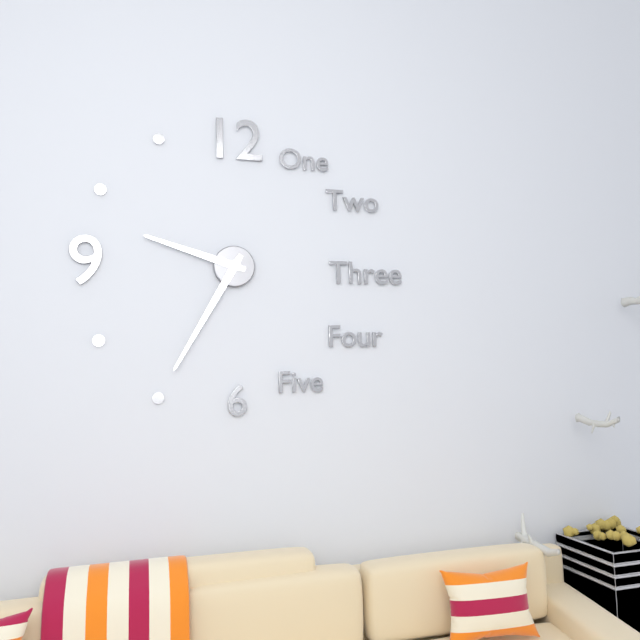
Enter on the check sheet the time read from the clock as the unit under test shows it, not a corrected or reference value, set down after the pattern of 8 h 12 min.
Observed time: 9 h 35 min
